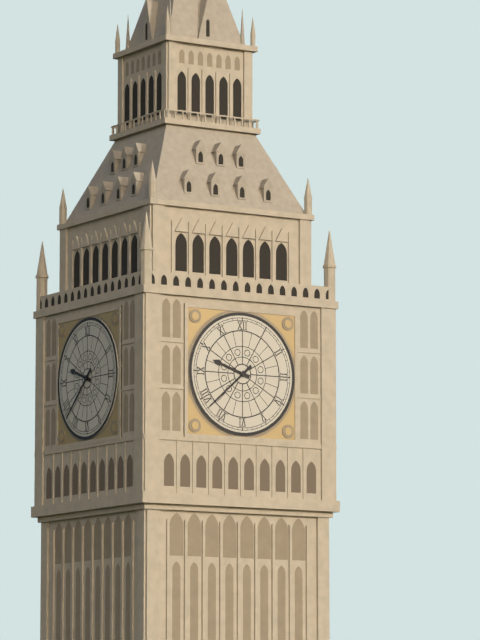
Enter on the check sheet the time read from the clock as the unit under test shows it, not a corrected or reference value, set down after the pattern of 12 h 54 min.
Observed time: 9 h 38 min
